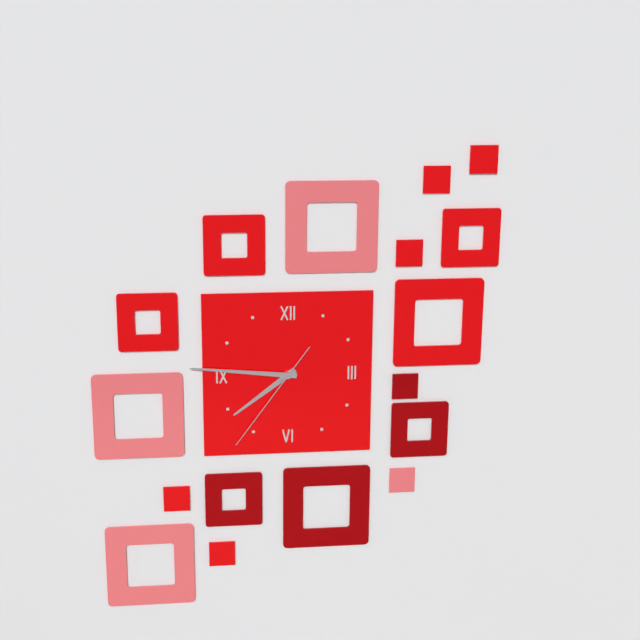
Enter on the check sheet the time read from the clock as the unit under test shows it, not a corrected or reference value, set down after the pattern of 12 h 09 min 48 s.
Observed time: 7 h 46 min 36 s
